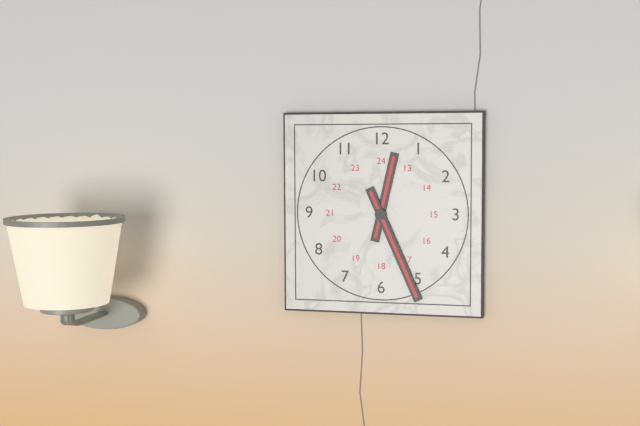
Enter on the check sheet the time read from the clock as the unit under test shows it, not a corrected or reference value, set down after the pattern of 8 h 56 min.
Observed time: 12 h 26 min
